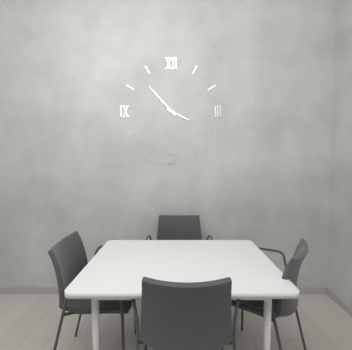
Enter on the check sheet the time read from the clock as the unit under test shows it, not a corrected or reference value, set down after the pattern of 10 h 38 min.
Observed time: 3 h 53 min
